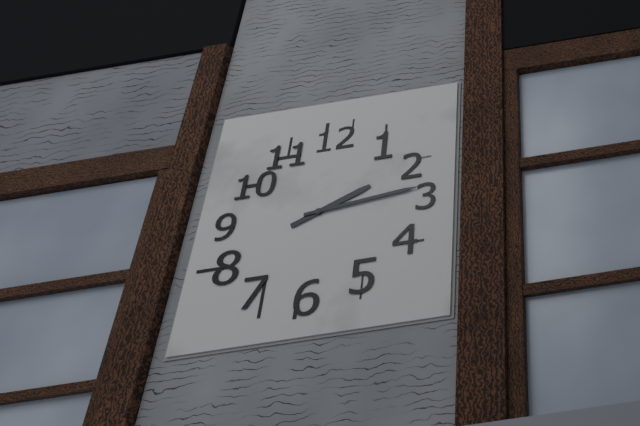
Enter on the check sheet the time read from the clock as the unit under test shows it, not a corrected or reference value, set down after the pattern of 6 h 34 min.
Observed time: 2 h 14 min
